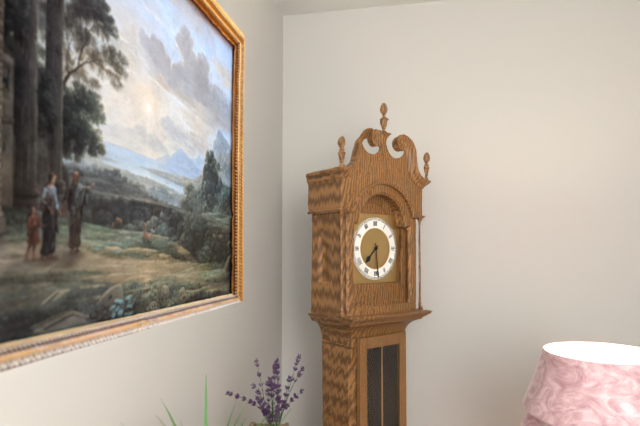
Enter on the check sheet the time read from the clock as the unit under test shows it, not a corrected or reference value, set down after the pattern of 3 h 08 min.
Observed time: 7 h 29 min
